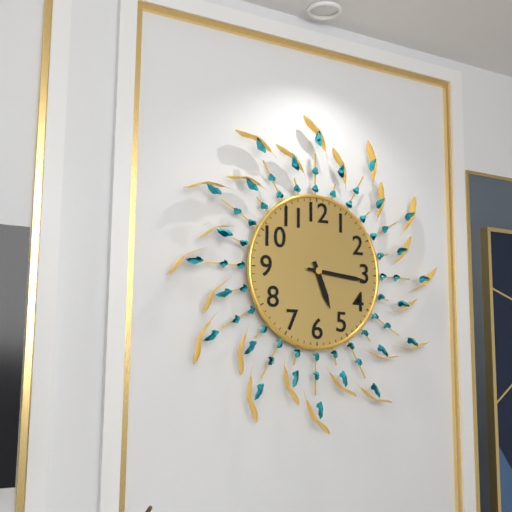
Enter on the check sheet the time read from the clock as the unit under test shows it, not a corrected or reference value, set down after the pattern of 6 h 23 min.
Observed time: 5 h 16 min
